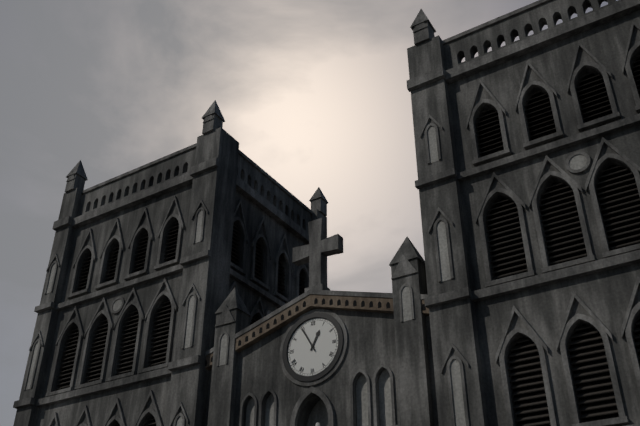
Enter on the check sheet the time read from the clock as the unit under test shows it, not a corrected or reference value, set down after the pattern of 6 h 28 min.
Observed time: 12 h 55 min
